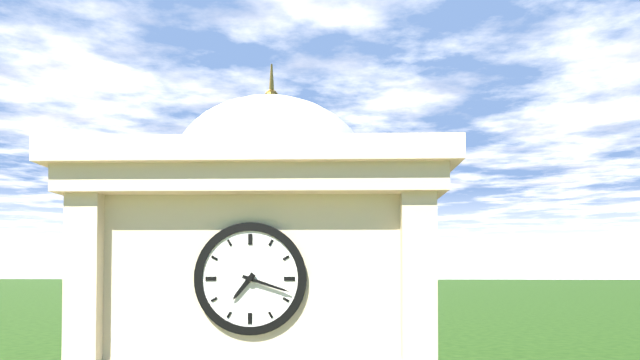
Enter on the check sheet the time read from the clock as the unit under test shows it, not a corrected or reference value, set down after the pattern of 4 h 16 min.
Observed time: 7 h 18 min
